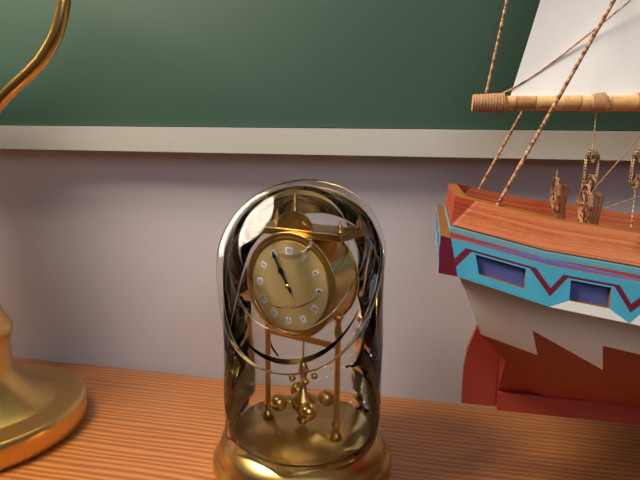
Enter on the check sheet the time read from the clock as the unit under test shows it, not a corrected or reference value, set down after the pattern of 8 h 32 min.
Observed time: 10 h 55 min
